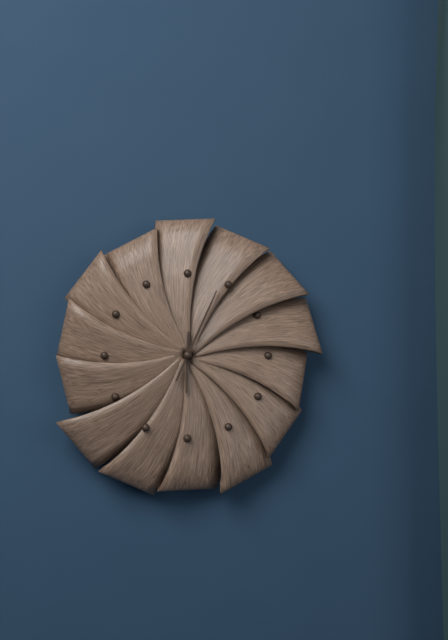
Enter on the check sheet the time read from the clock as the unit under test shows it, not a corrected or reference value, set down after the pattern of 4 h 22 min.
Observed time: 6 h 04 min
